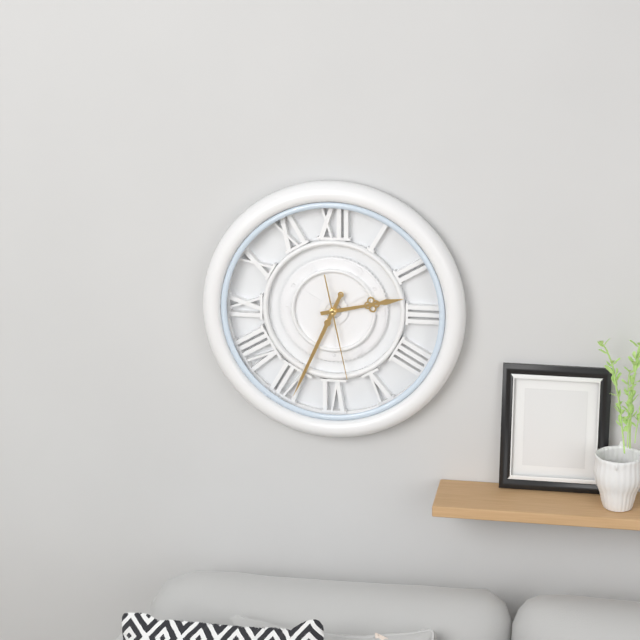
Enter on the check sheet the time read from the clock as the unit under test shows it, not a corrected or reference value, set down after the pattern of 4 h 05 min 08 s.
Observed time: 2 h 34 min 28 s
